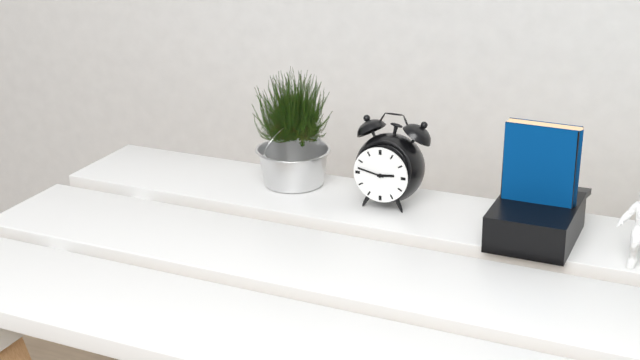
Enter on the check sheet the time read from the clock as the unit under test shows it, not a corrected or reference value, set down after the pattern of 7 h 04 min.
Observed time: 2 h 47 min
